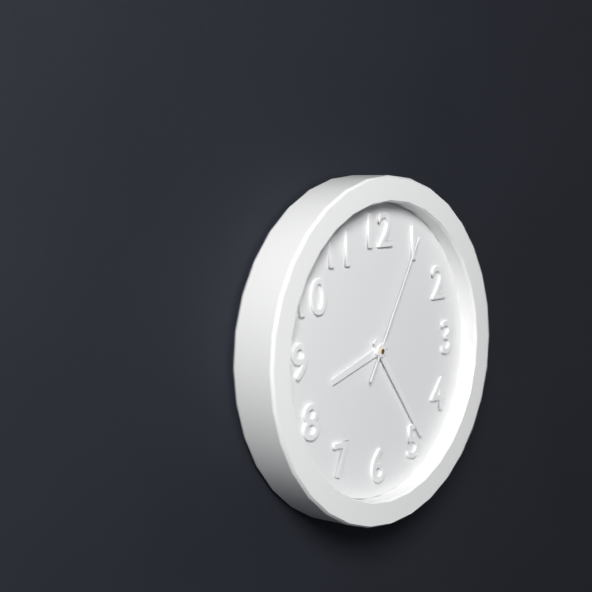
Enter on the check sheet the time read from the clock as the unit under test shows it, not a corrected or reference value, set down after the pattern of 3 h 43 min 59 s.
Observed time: 8 h 24 min 05 s
